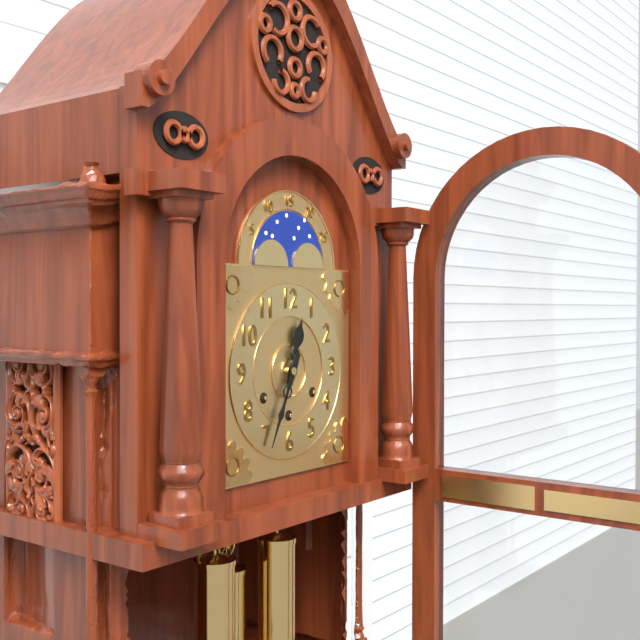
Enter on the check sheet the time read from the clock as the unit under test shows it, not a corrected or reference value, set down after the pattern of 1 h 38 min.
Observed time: 12 h 34 min
